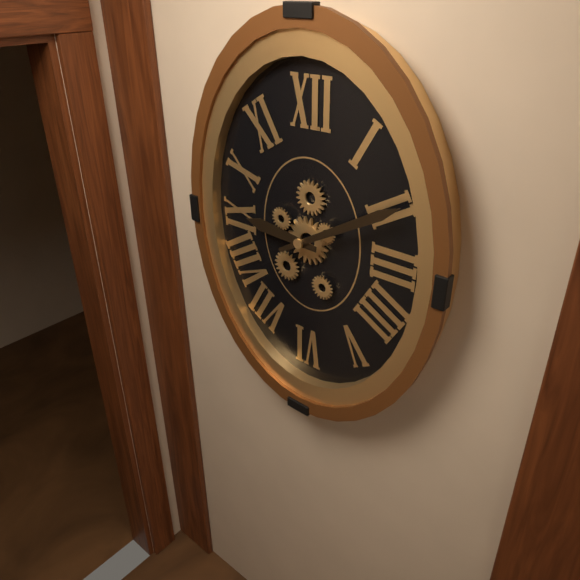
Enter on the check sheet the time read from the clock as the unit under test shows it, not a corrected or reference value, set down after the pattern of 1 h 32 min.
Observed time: 9 h 10 min
